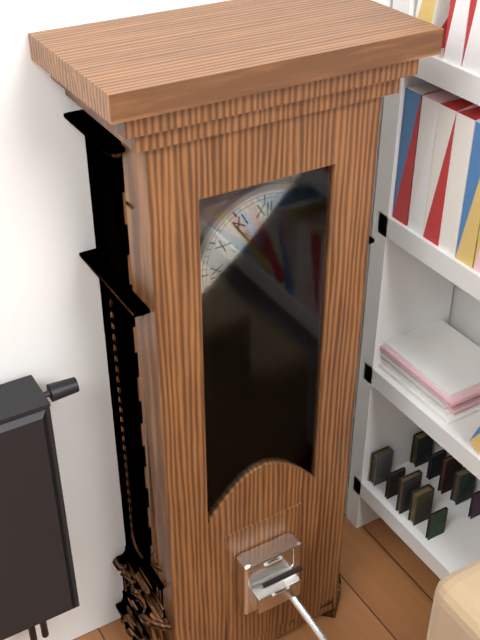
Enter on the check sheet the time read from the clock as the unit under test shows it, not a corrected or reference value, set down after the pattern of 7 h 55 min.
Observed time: 1 h 54 min
